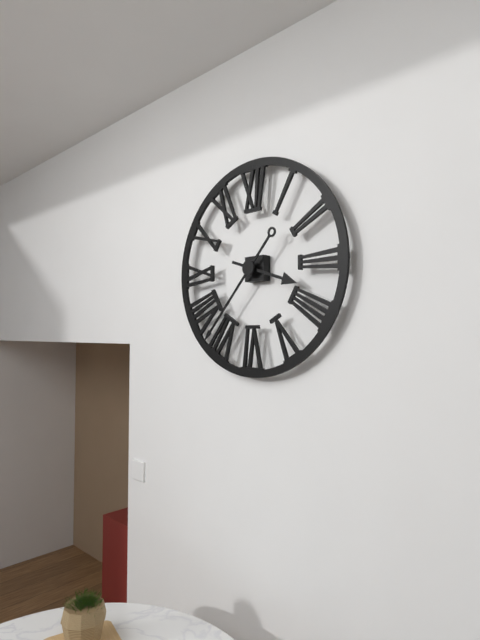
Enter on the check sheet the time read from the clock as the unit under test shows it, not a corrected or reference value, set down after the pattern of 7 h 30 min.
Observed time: 3 h 37 min
